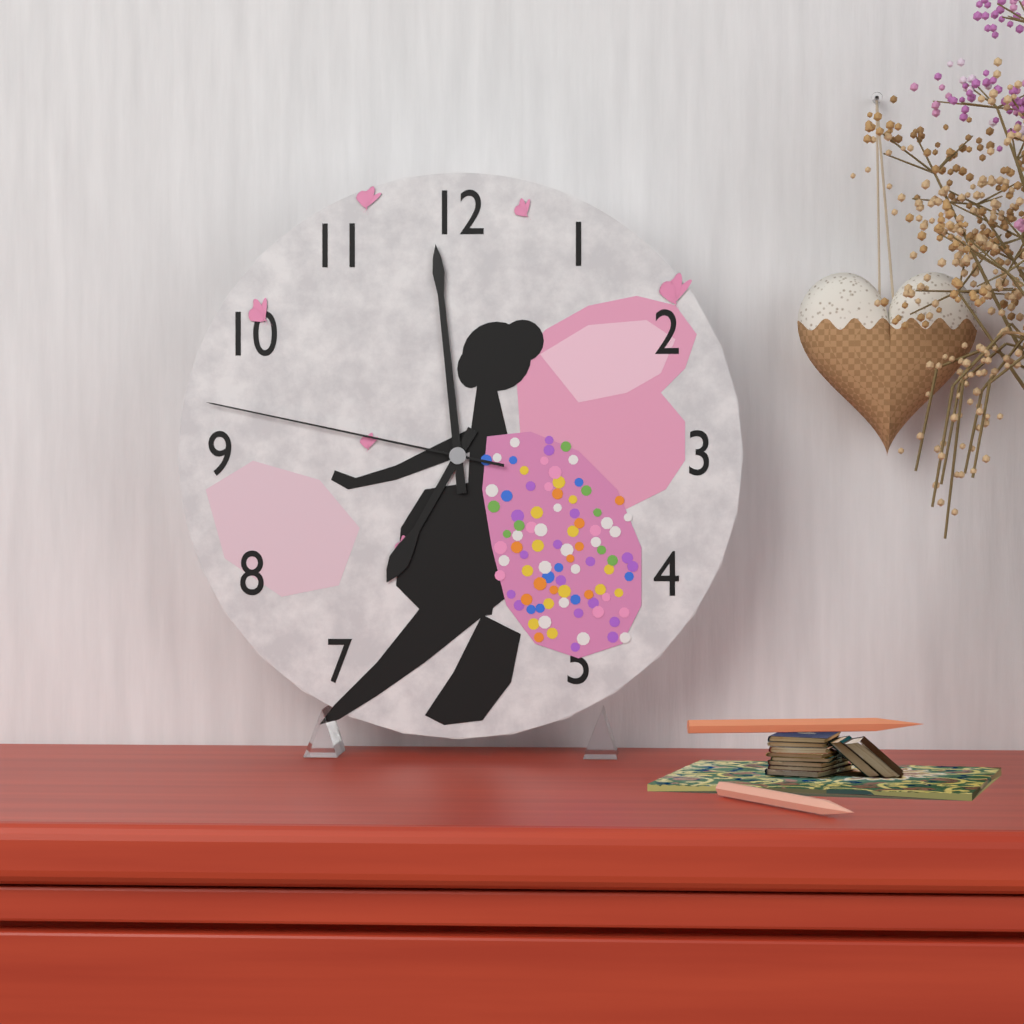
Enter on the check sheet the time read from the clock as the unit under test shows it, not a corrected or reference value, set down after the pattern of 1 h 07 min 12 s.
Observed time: 6 h 59 min 47 s
